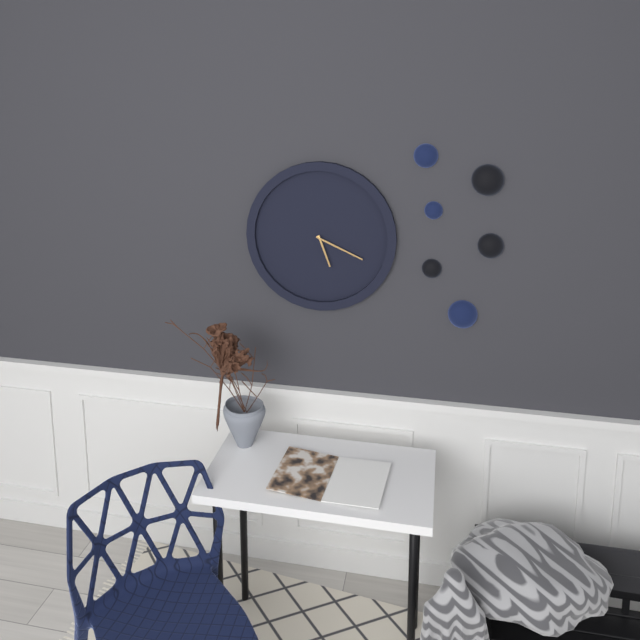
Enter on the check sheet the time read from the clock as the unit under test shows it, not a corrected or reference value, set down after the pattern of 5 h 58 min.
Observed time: 5 h 19 min
